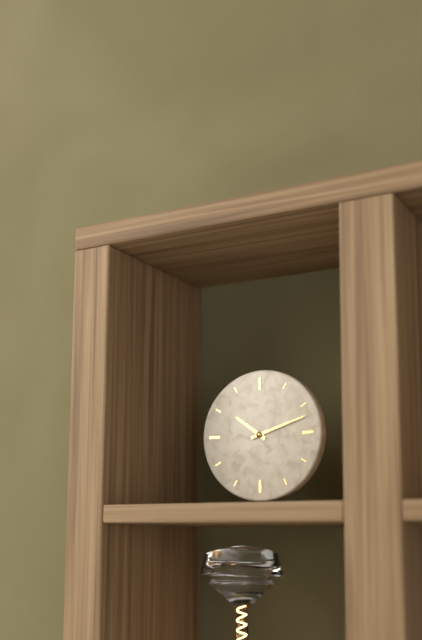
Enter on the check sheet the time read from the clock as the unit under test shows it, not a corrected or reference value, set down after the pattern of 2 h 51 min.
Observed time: 10 h 12 min
